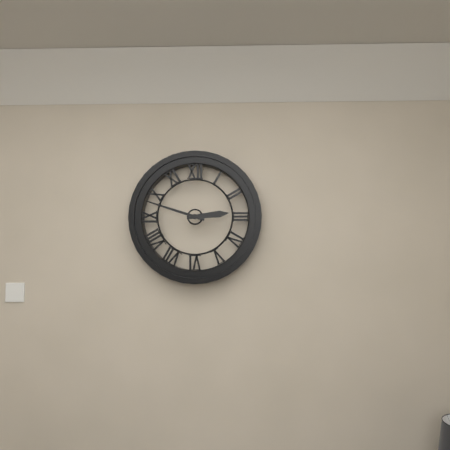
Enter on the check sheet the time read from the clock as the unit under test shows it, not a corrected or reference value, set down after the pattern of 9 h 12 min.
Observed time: 2 h 48 min
